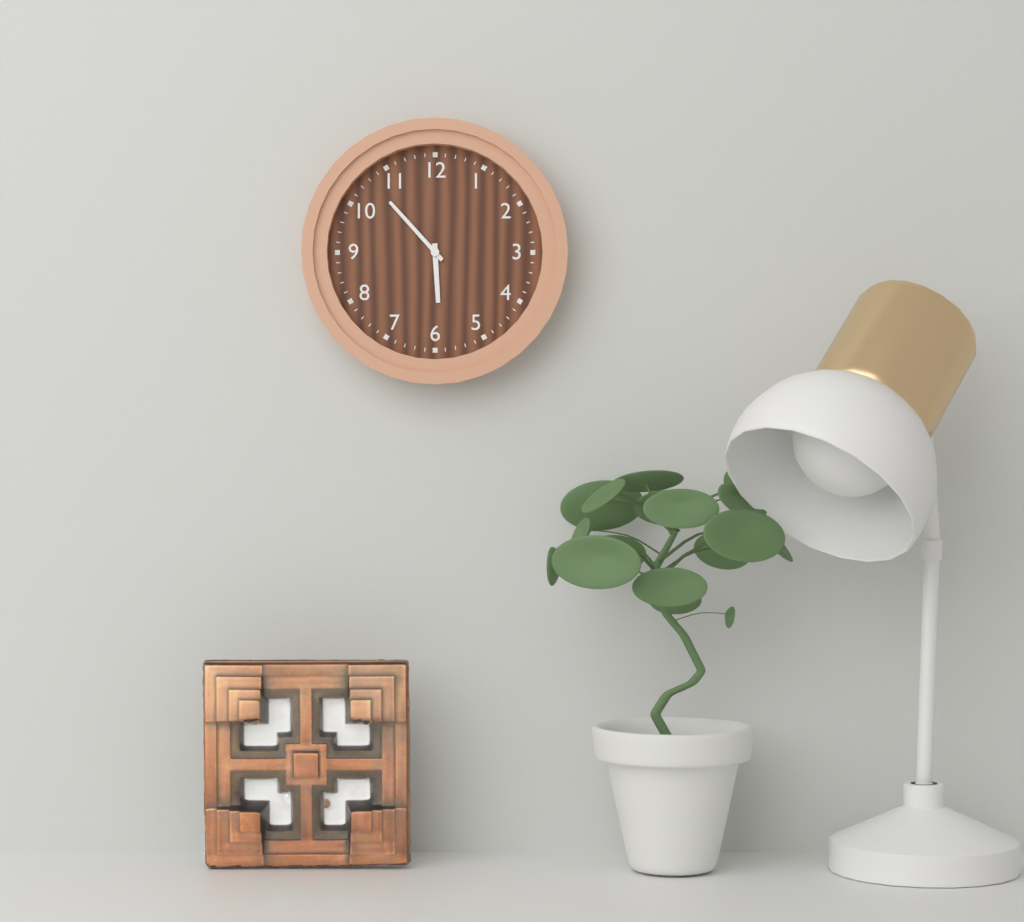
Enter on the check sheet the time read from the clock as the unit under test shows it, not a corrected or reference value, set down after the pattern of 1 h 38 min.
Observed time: 5 h 53 min
